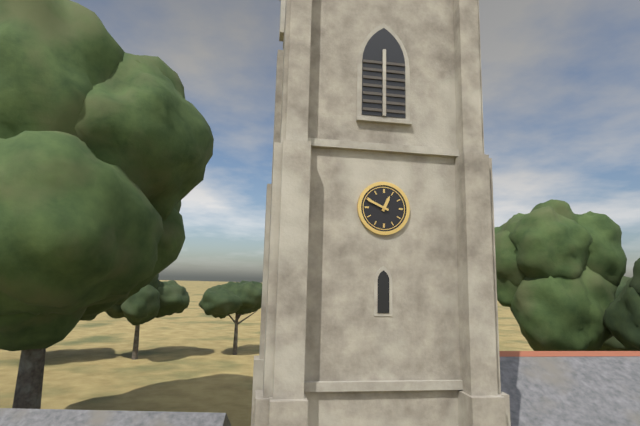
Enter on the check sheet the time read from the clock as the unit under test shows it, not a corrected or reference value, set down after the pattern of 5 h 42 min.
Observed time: 12 h 49 min
